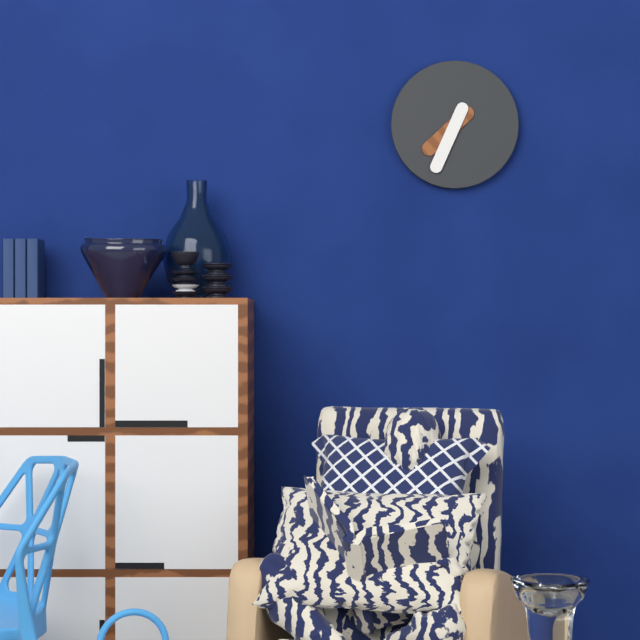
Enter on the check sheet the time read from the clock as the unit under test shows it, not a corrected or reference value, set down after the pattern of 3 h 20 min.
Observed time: 7 h 34 min
